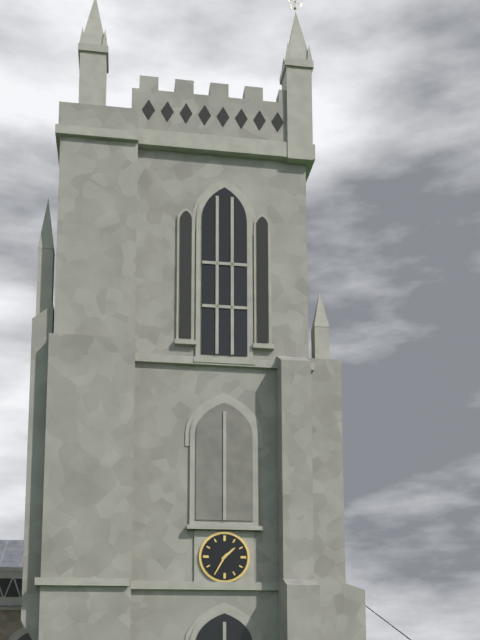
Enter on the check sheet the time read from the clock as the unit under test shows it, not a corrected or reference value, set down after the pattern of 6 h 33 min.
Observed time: 1 h 35 min
